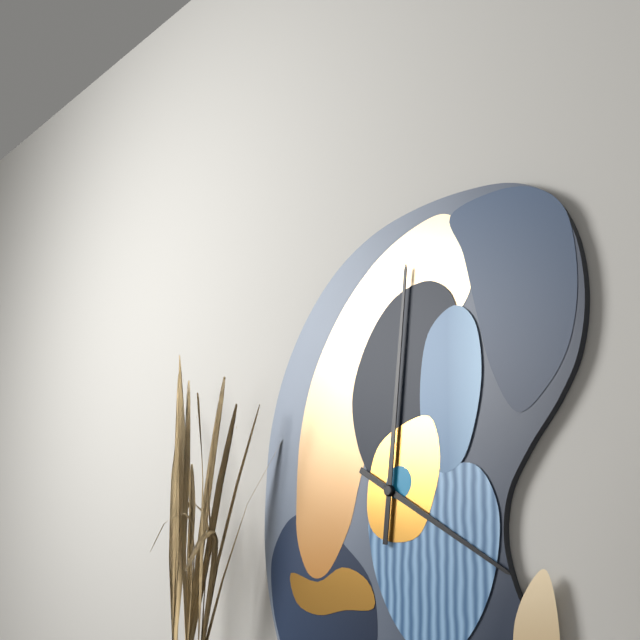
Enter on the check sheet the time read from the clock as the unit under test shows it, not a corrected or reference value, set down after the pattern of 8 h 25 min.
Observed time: 4 h 01 min
